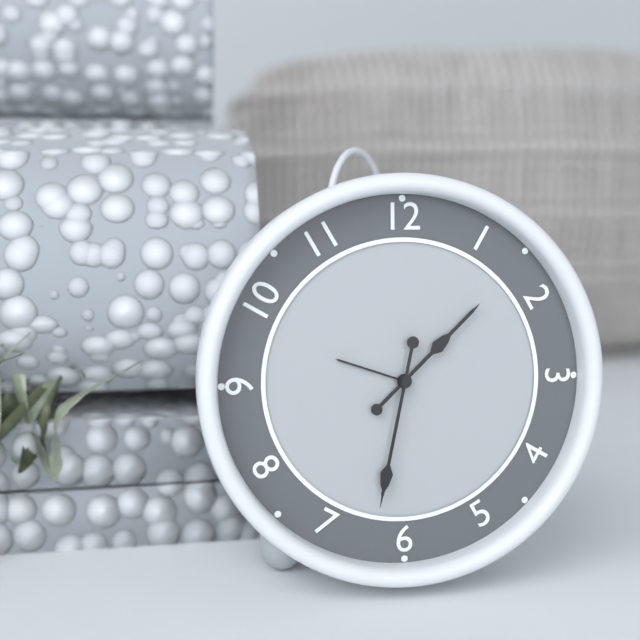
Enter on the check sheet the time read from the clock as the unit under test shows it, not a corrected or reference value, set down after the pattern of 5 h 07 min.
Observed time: 1 h 32 min
